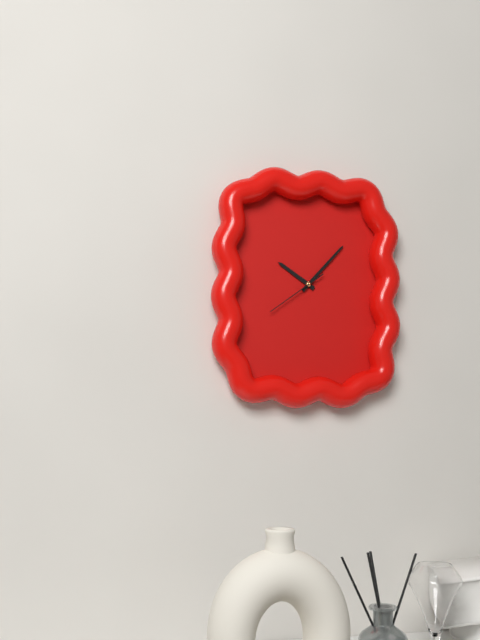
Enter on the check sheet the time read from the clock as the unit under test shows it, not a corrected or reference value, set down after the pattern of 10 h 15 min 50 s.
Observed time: 10 h 07 min 39 s
